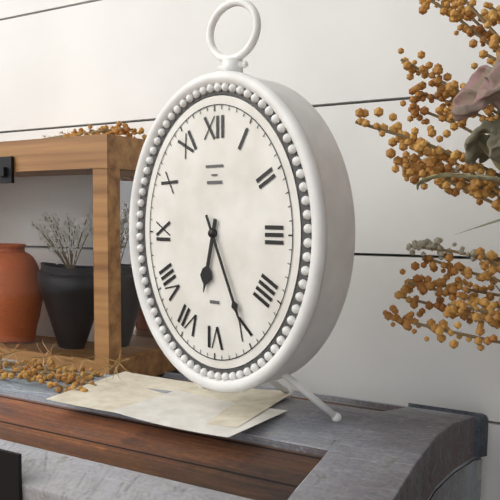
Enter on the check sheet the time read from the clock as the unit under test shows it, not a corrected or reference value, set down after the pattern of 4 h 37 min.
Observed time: 6 h 26 min
